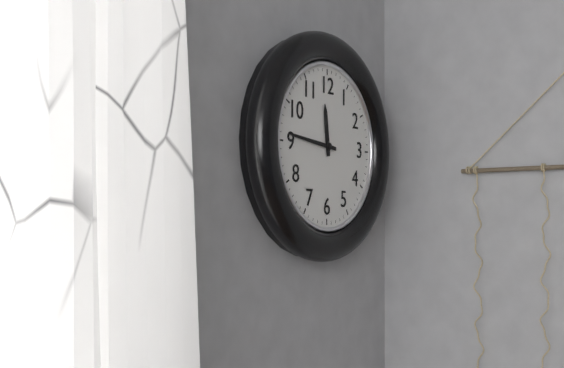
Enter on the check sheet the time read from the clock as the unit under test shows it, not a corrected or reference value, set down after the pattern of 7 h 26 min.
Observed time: 11 h 46 min
